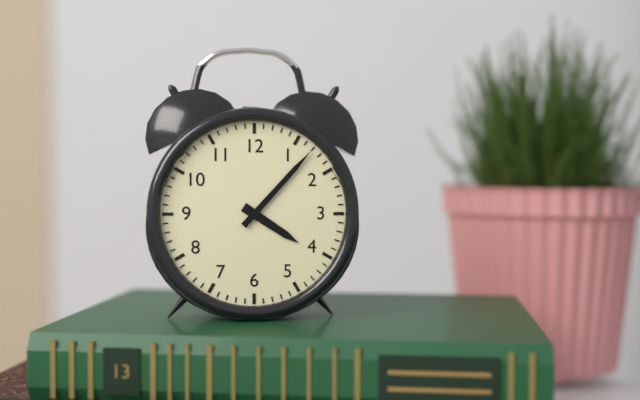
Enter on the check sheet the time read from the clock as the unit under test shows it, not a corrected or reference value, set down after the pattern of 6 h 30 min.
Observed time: 4 h 07 min
